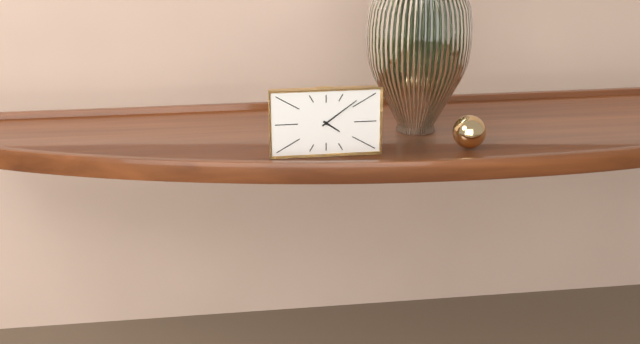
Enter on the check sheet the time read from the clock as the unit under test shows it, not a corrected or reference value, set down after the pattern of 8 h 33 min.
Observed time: 4 h 09 min
